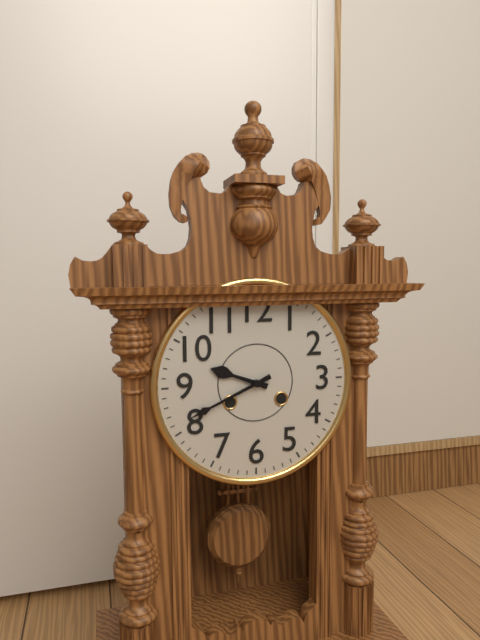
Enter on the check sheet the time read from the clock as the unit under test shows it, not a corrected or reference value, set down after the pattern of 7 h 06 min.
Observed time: 9 h 41 min
